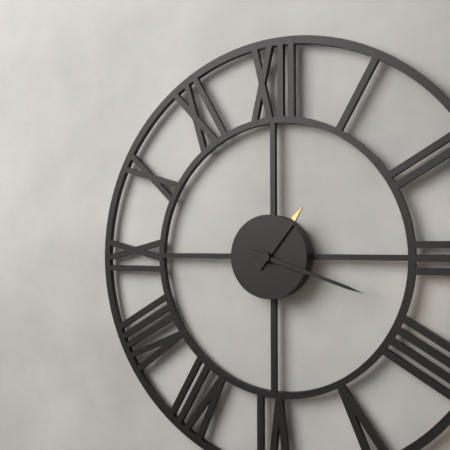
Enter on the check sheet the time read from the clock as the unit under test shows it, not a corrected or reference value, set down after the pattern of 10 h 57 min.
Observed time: 1 h 18 min
